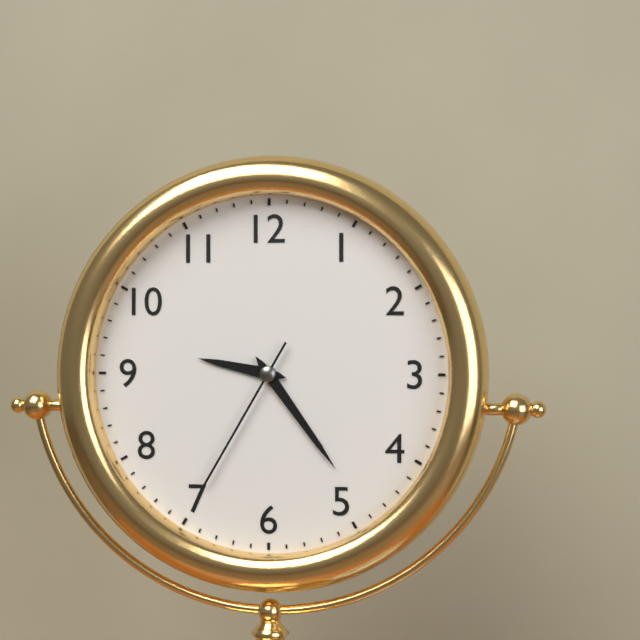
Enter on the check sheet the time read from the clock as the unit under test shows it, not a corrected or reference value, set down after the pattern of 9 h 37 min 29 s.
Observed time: 9 h 24 min 35 s
